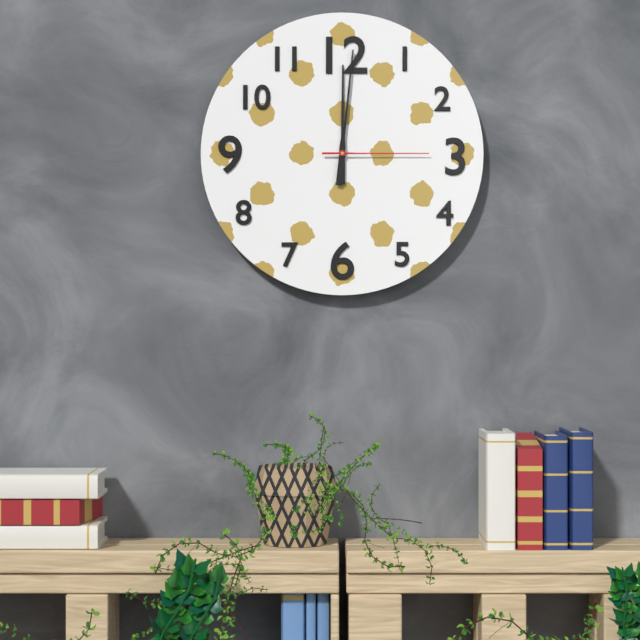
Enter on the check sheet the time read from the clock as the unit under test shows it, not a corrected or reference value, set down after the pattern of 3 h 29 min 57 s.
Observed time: 12 h 01 min 15 s
